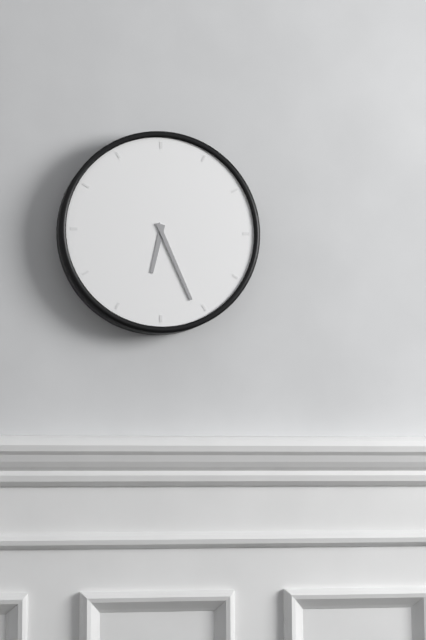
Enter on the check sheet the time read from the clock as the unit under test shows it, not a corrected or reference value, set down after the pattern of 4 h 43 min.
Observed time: 6 h 26 min
